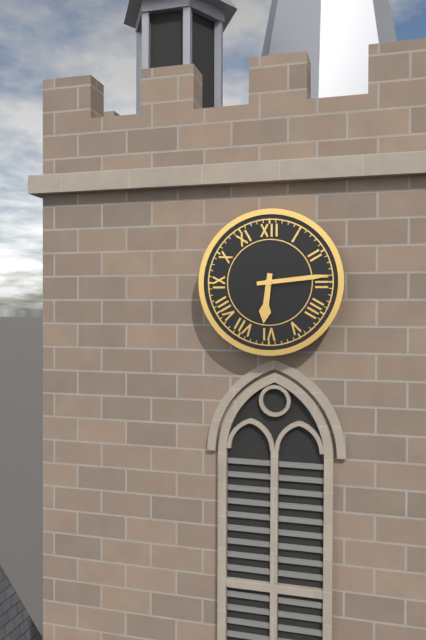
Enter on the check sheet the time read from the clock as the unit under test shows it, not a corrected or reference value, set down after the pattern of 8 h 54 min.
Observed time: 6 h 14 min
